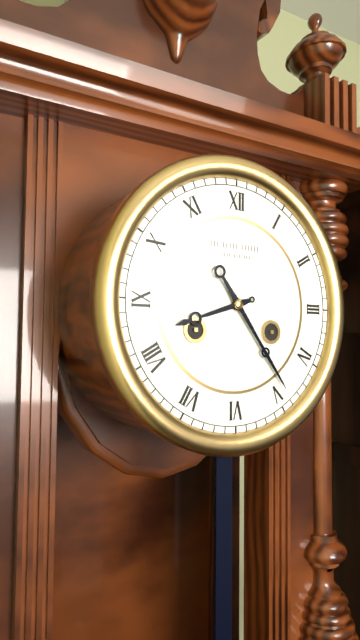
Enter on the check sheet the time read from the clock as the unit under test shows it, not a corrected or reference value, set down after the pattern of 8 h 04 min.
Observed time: 8 h 24 min
